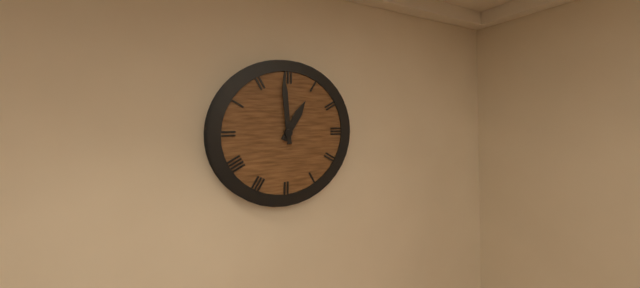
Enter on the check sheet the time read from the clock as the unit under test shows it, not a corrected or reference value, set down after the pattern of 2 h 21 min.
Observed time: 12 h 59 min
